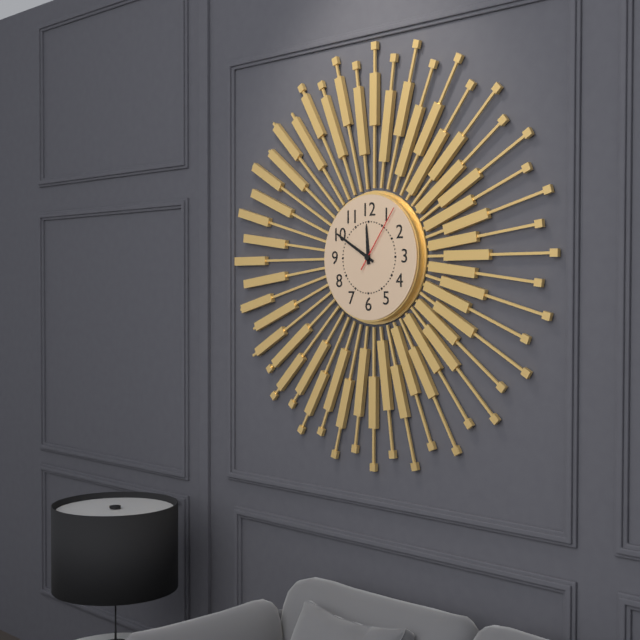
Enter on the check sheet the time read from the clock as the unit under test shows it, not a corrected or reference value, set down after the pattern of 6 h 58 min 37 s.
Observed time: 11 h 50 min 06 s
